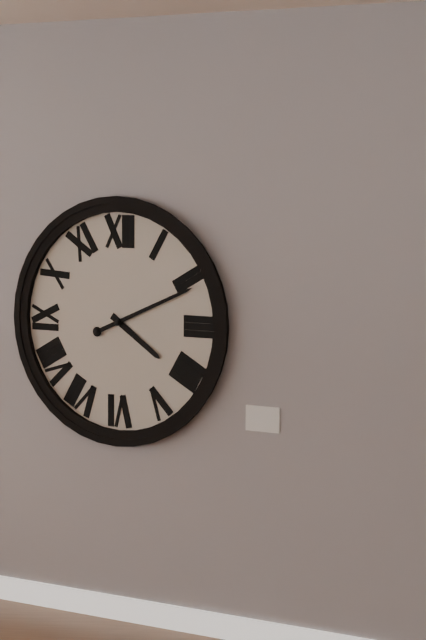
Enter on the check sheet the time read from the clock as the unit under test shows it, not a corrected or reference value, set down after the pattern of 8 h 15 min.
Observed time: 4 h 11 min
